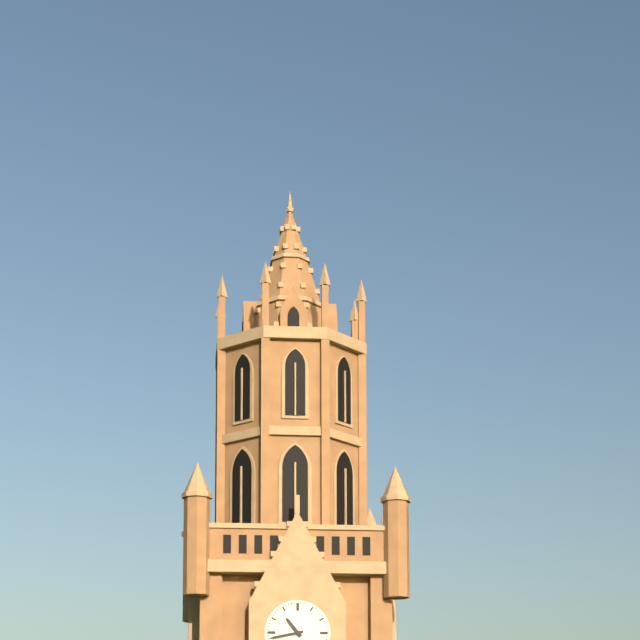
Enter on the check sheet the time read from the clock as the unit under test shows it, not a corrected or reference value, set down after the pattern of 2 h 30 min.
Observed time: 10 h 43 min
